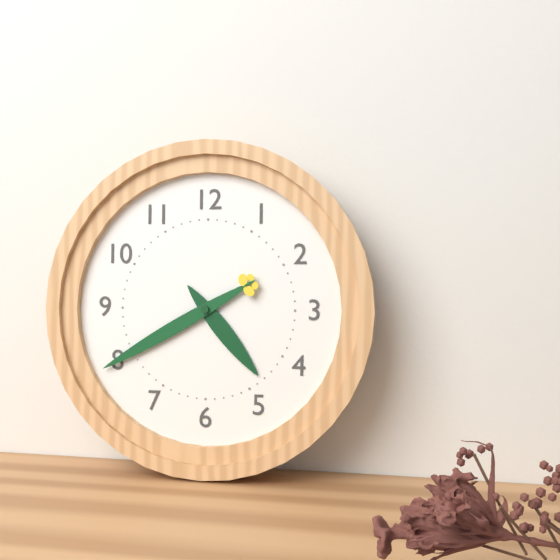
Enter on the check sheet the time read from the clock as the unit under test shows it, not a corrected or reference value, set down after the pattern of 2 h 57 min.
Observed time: 4 h 40 min
